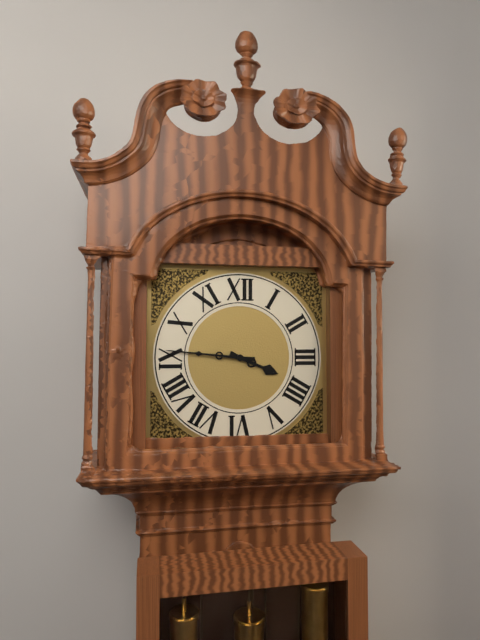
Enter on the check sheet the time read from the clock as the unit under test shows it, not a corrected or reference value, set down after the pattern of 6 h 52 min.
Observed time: 3 h 46 min
